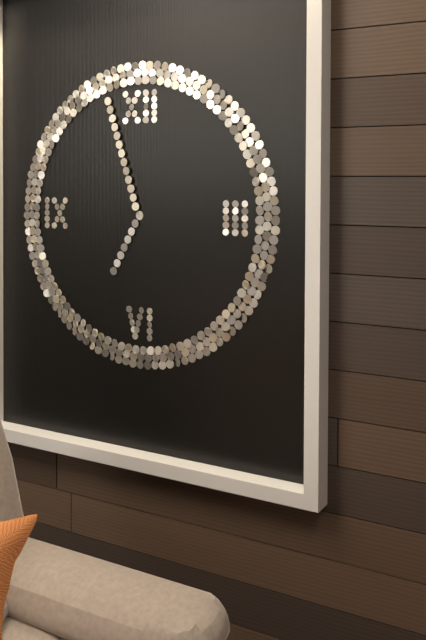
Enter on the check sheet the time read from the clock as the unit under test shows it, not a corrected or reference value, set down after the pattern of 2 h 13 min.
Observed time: 6 h 57 min
